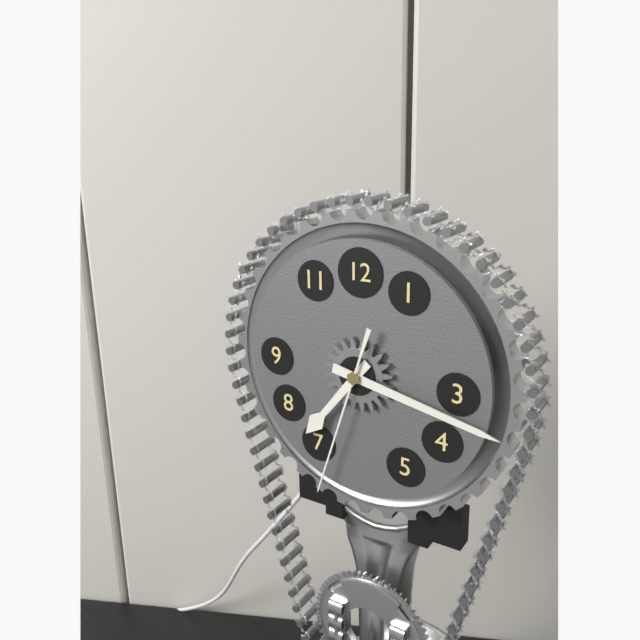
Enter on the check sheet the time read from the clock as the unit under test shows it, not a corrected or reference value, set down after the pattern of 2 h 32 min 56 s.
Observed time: 7 h 17 min 33 s
